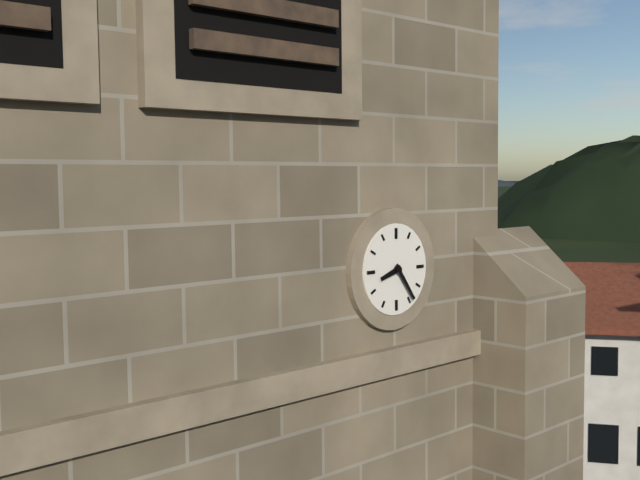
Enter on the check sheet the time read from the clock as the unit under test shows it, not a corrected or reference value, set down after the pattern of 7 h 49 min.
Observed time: 8 h 24 min
